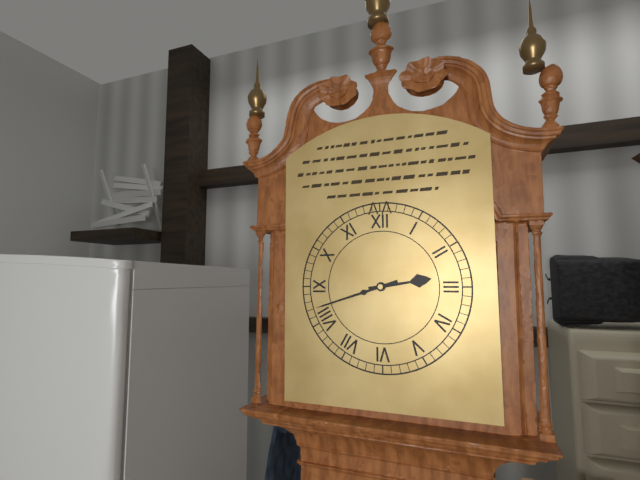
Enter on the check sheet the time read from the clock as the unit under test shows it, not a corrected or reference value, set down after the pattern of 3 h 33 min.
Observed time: 2 h 42 min
